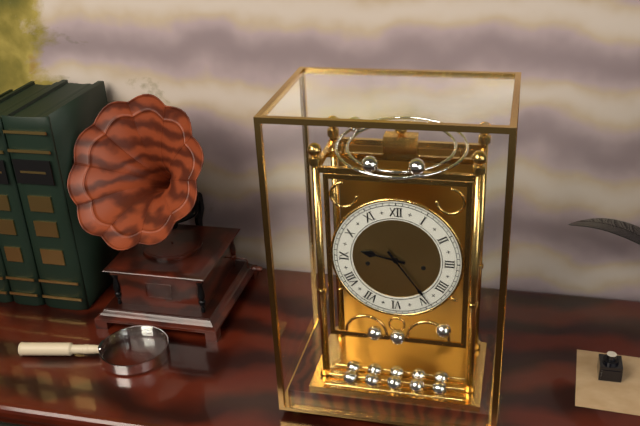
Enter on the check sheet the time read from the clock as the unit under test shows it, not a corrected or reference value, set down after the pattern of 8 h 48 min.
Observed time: 9 h 24 min
